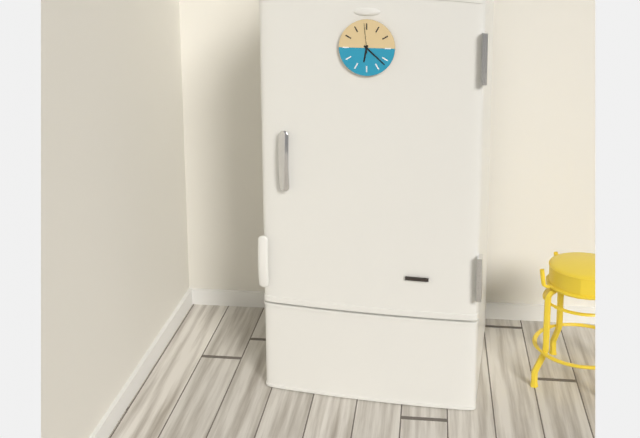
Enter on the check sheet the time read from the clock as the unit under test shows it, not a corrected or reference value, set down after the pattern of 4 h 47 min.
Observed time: 6 h 22 min
